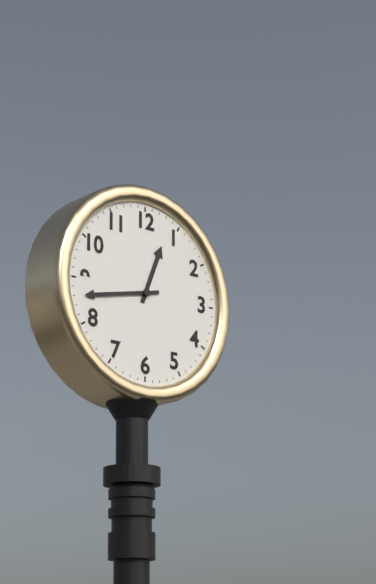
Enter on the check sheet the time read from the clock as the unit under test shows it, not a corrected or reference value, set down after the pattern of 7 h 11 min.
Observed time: 12 h 43 min
